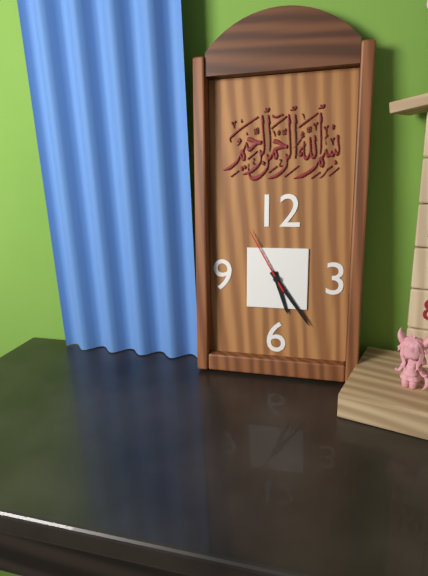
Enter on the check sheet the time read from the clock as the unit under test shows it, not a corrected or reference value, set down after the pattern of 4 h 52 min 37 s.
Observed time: 5 h 24 min 55 s
